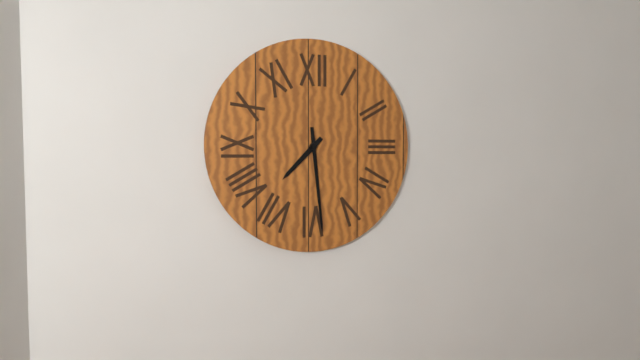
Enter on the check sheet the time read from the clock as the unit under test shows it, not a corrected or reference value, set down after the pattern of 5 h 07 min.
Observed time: 7 h 29 min
